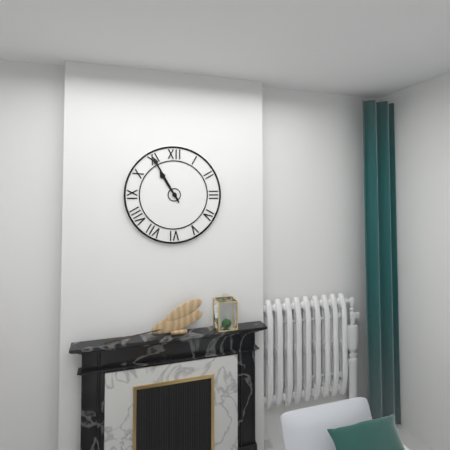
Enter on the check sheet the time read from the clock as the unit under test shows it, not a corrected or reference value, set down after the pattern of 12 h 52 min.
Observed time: 10 h 55 min
